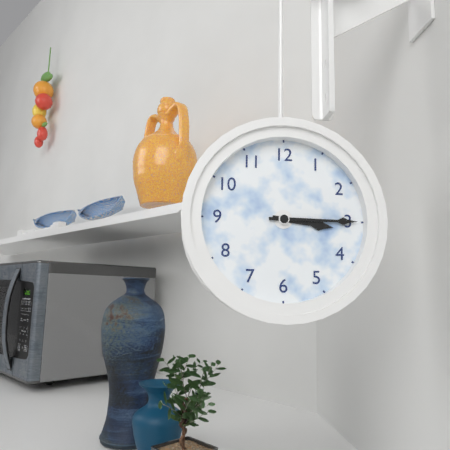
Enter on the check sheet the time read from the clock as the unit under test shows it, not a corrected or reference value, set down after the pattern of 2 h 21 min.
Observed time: 3 h 15 min
